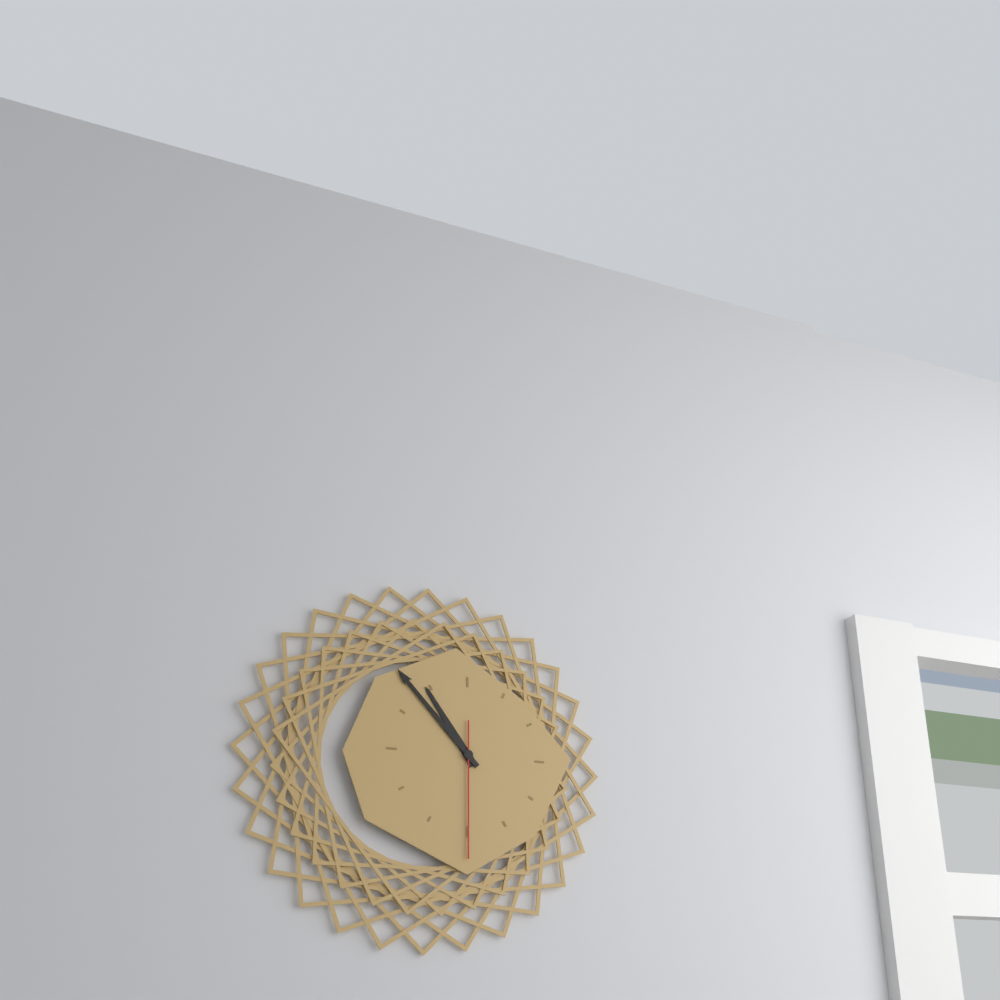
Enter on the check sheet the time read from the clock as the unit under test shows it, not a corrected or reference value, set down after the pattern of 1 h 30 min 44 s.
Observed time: 10 h 53 min 30 s
